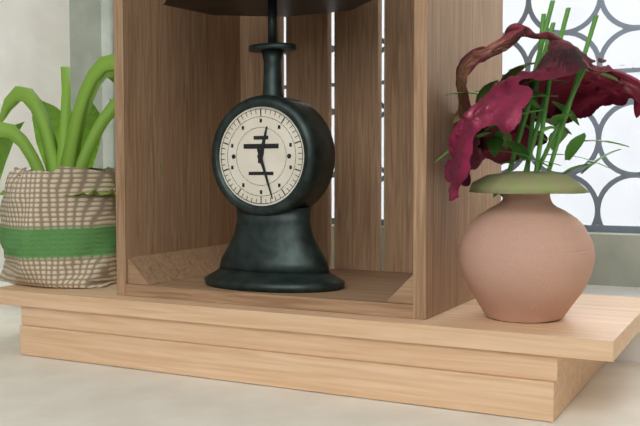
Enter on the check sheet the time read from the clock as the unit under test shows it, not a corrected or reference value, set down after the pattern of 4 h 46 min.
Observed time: 12 h 27 min
